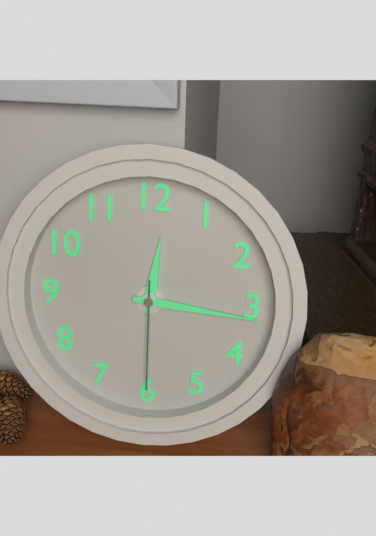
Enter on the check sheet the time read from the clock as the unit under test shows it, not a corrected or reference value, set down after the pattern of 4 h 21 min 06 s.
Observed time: 12 h 16 min 30 s
